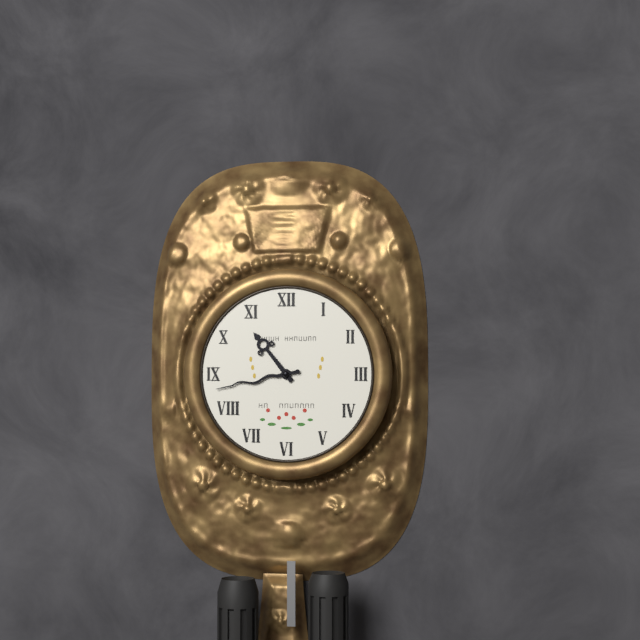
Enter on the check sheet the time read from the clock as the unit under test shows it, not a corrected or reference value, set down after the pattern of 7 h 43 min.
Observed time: 10 h 43 min
